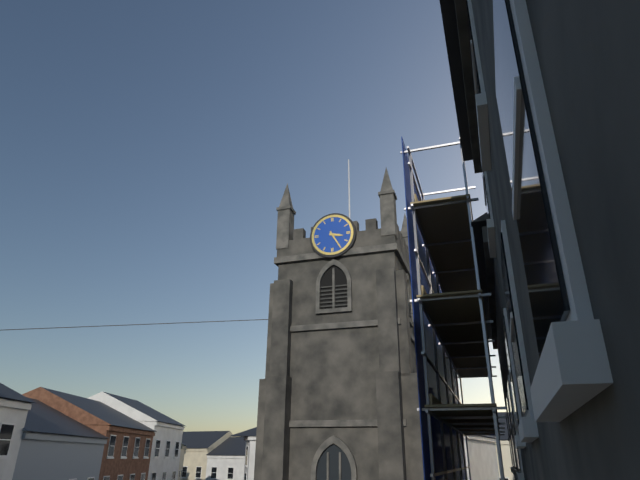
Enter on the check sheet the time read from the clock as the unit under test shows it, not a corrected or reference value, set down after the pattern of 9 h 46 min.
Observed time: 3 h 25 min
